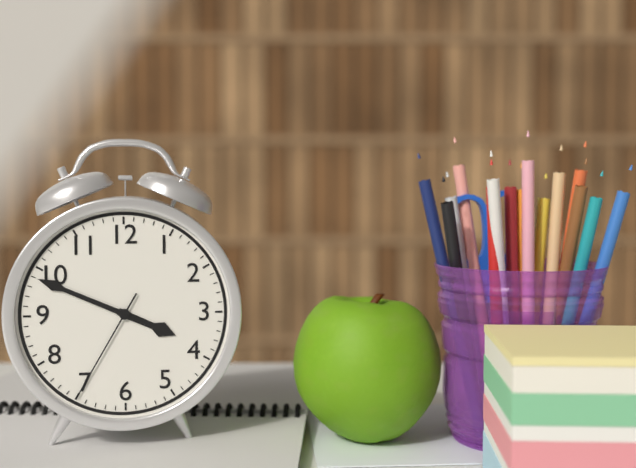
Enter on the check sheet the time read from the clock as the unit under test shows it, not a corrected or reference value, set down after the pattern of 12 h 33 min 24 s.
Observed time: 3 h 49 min 35 s
